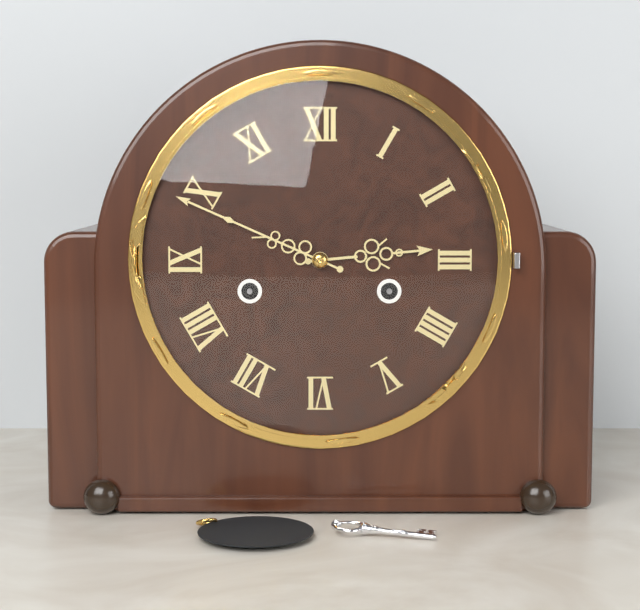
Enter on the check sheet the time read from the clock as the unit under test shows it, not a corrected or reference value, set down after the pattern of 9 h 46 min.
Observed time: 2 h 49 min
